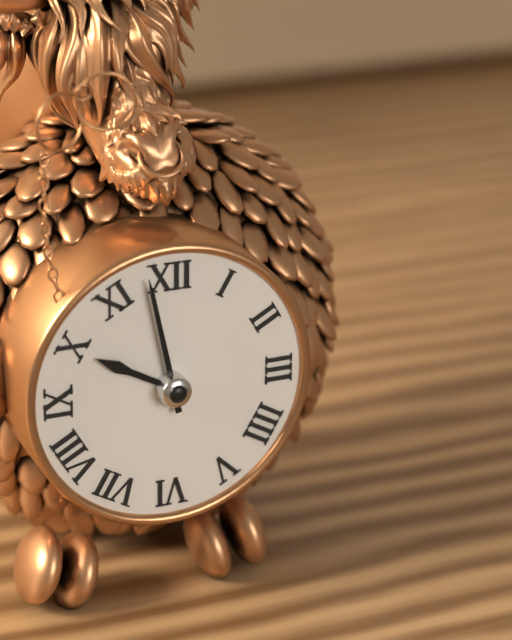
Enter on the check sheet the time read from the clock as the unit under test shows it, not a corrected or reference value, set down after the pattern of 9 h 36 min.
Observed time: 9 h 58 min
